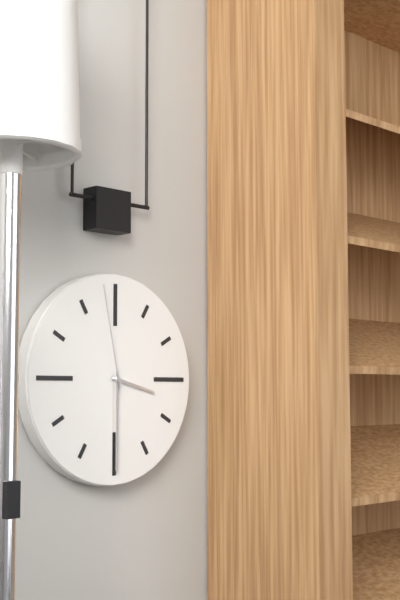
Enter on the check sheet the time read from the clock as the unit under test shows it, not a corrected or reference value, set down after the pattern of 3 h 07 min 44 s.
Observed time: 3 h 30 min 58 s
